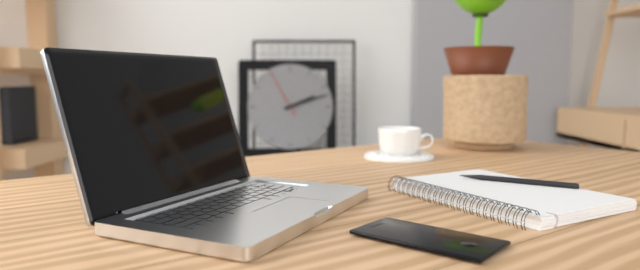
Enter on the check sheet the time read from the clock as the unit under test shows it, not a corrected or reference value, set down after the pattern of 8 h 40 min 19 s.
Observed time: 2 h 12 min 55 s
